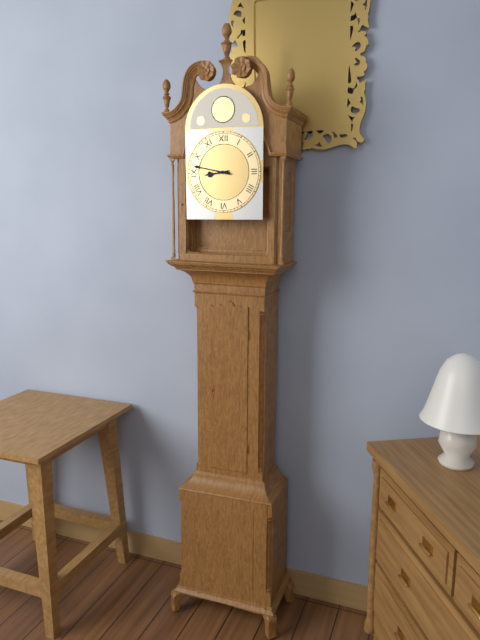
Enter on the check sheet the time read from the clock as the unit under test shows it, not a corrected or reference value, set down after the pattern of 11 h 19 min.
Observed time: 8 h 47 min
